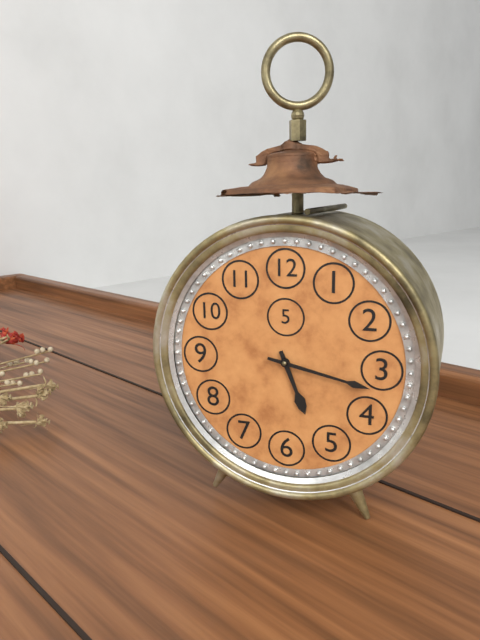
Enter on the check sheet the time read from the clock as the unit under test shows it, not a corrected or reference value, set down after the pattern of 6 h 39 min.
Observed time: 5 h 17 min
